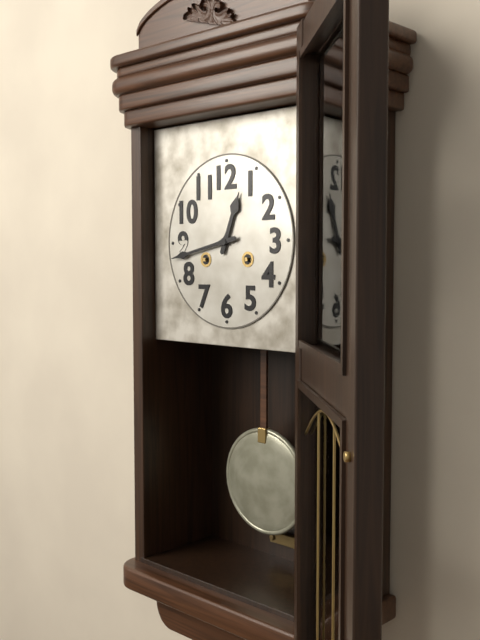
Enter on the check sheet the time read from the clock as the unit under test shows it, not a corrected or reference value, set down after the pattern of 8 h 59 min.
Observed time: 12 h 43 min
